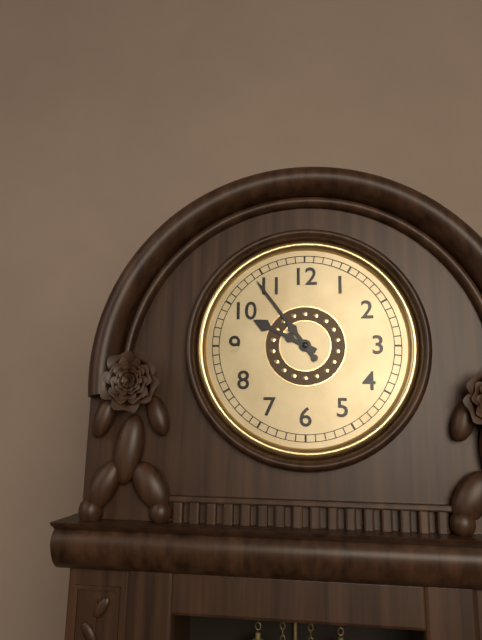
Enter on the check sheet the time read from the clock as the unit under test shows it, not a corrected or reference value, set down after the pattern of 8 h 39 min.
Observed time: 9 h 54 min
